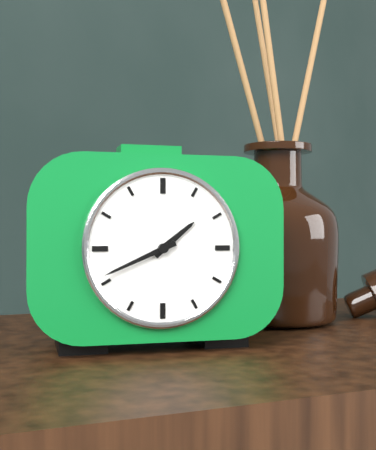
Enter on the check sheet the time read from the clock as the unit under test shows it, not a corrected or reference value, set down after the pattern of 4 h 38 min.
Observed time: 1 h 41 min
